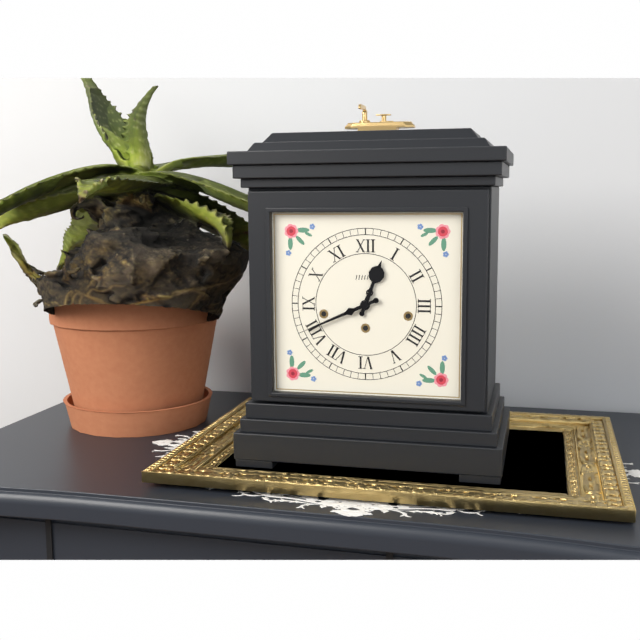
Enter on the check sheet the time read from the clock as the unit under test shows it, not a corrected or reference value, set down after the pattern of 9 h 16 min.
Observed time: 12 h 41 min
